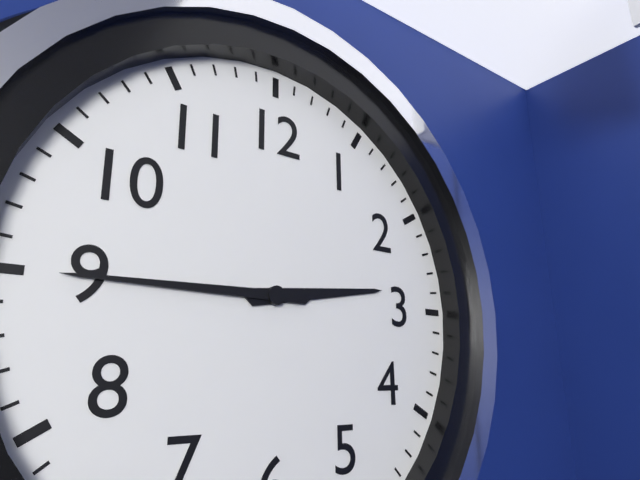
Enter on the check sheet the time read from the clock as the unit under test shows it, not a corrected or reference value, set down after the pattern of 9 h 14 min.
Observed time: 2 h 45 min
